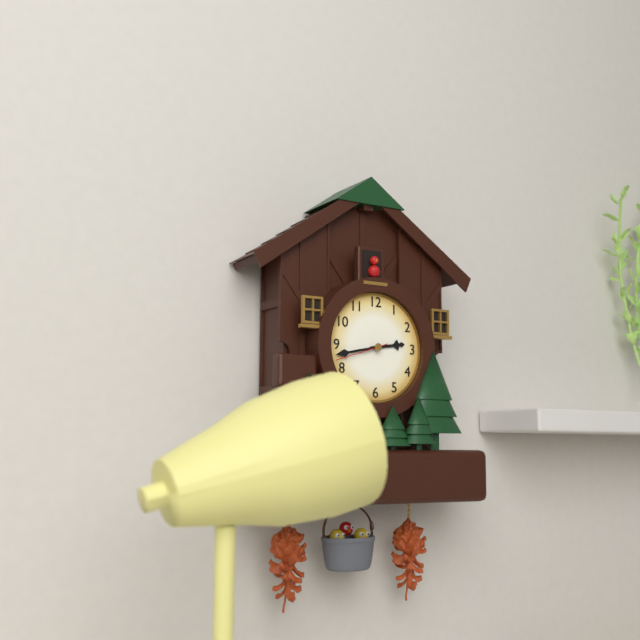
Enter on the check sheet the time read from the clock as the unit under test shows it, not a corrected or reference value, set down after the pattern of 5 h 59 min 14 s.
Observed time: 2 h 43 min 42 s
